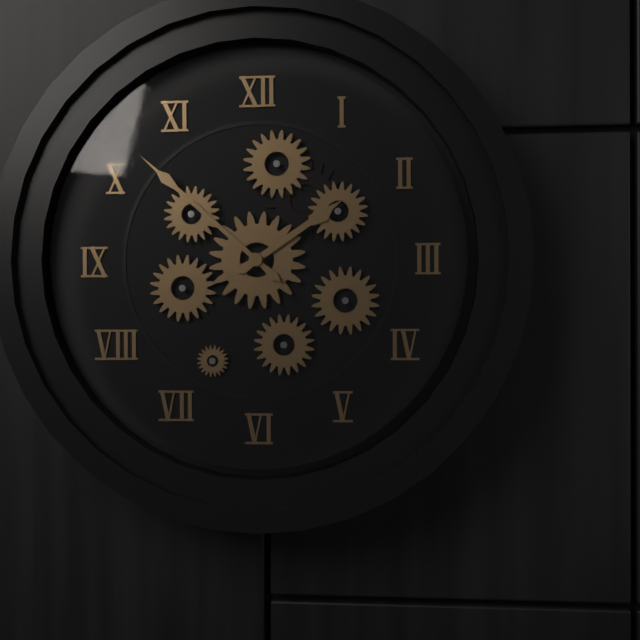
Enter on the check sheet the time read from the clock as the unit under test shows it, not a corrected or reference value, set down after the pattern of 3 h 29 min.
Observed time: 1 h 52 min
